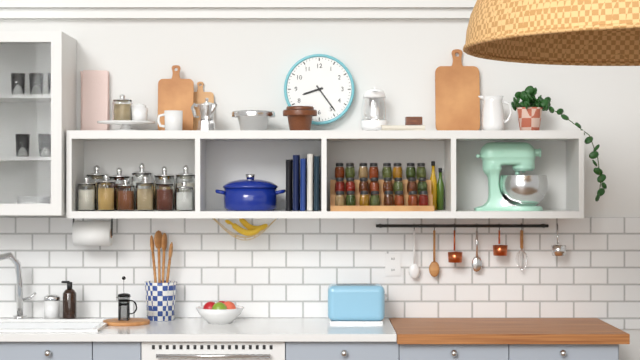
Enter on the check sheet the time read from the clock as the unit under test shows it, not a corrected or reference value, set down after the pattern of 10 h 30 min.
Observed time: 8 h 24 min
